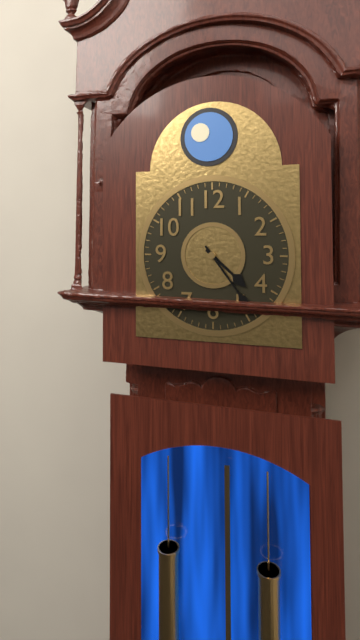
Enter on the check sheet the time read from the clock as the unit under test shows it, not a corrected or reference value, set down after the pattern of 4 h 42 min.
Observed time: 4 h 24 min
